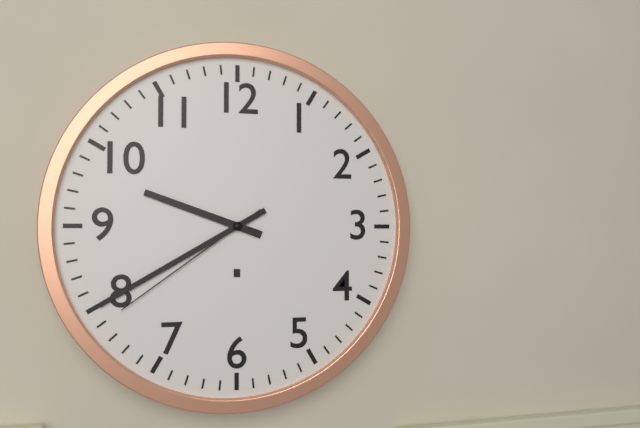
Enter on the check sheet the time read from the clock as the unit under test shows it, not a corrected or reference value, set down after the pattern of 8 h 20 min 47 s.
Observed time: 9 h 40 min 39 s
